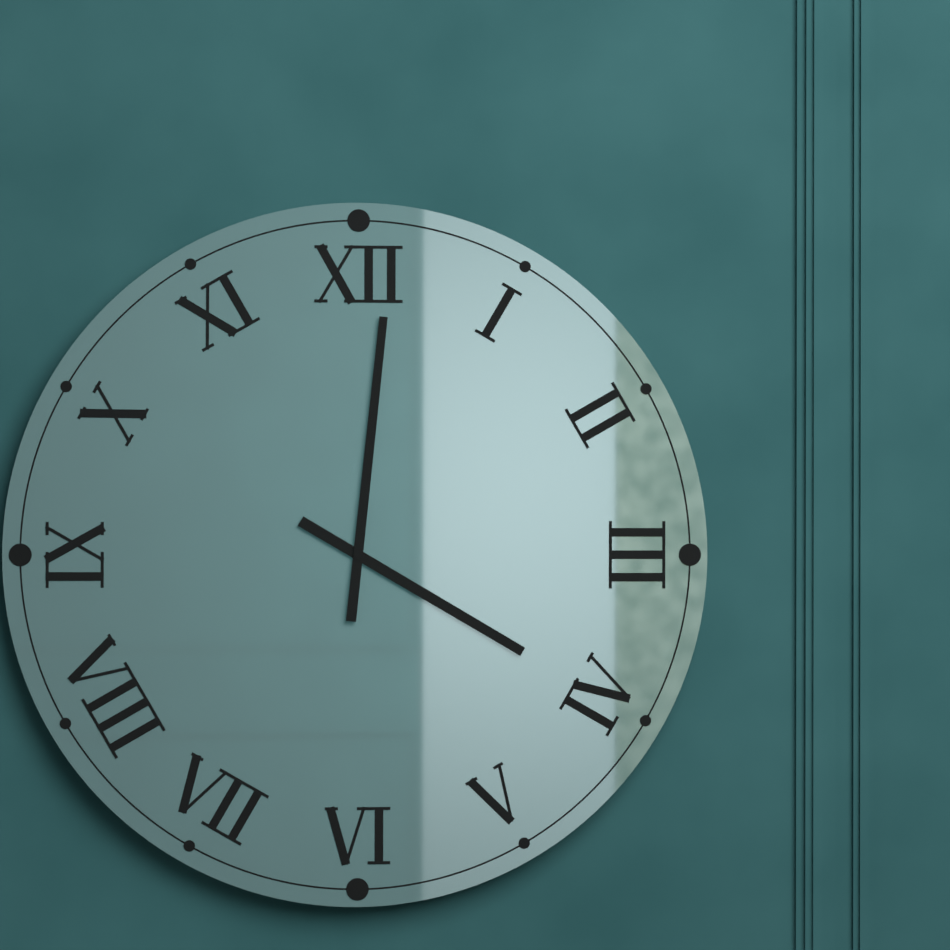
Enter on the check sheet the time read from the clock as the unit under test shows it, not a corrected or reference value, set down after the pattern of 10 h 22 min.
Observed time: 4 h 01 min
